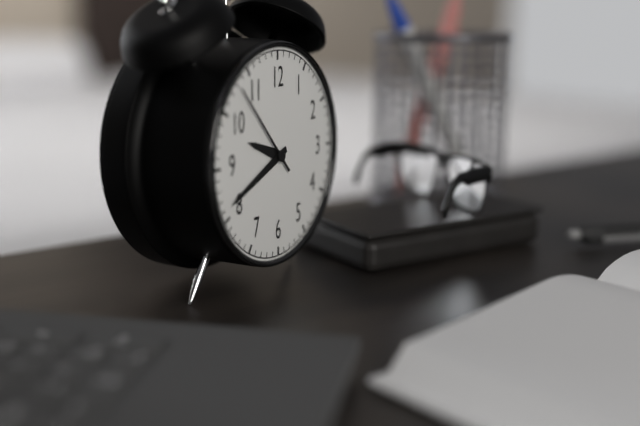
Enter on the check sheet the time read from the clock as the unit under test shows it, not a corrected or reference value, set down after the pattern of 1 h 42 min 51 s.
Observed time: 9 h 41 min 53 s
